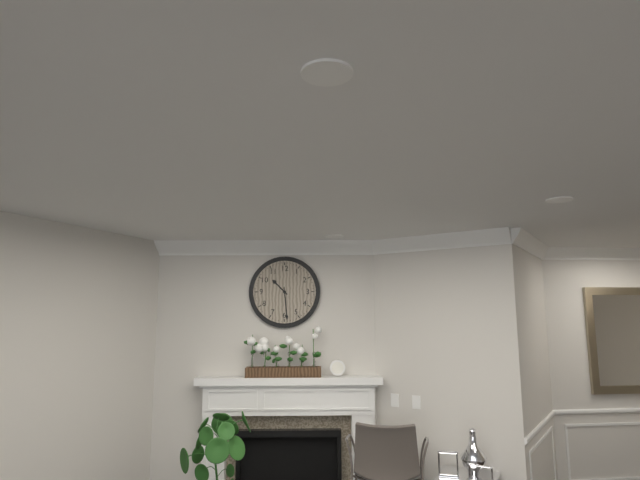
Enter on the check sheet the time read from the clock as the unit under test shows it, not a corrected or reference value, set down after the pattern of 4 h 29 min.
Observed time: 10 h 29 min
